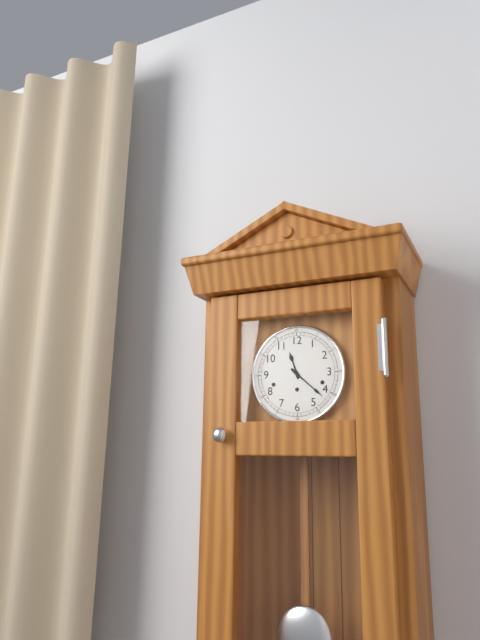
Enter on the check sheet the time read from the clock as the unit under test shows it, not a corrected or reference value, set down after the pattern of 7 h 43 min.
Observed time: 11 h 22 min
